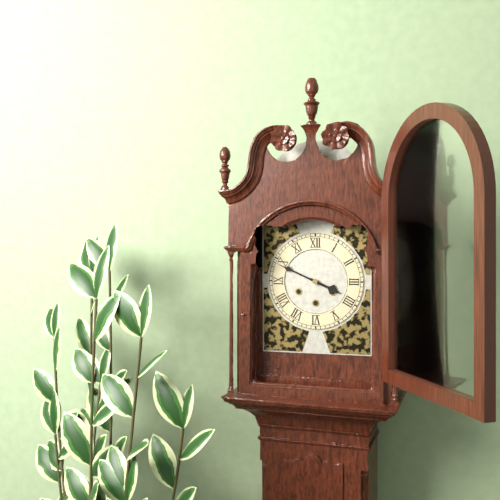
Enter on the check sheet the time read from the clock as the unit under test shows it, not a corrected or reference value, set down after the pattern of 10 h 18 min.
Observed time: 3 h 49 min
